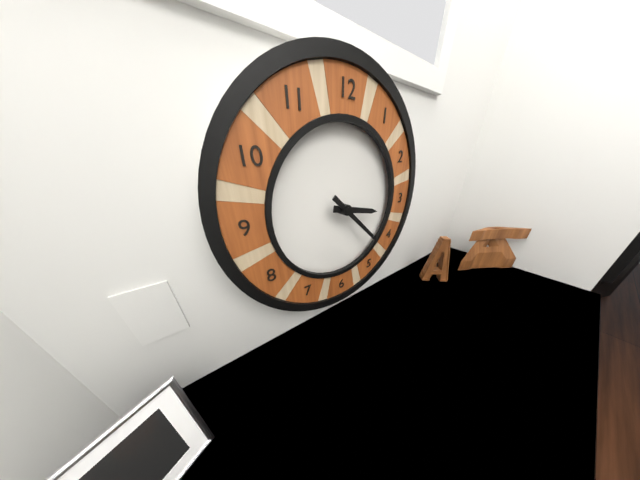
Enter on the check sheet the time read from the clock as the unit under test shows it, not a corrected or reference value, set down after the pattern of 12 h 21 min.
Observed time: 3 h 22 min
